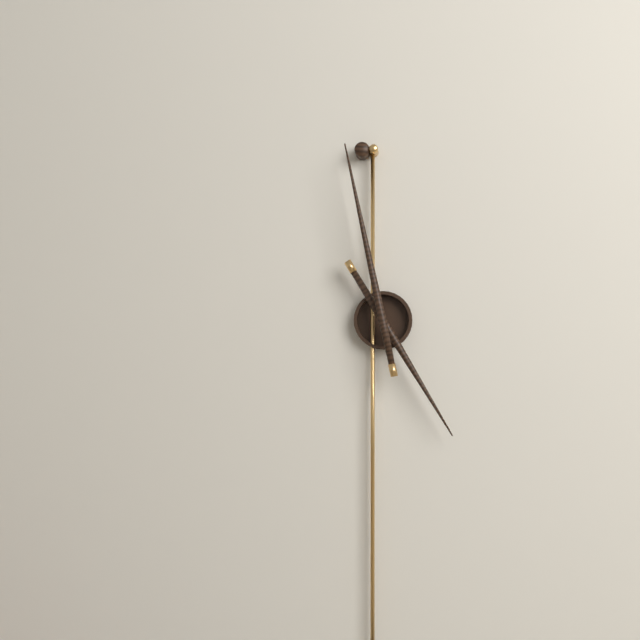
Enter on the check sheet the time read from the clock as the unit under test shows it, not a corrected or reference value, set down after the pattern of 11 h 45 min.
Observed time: 4 h 58 min
